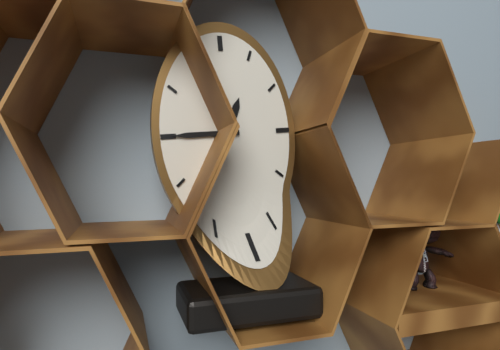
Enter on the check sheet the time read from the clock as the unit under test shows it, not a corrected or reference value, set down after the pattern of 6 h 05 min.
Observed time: 12 h 45 min
